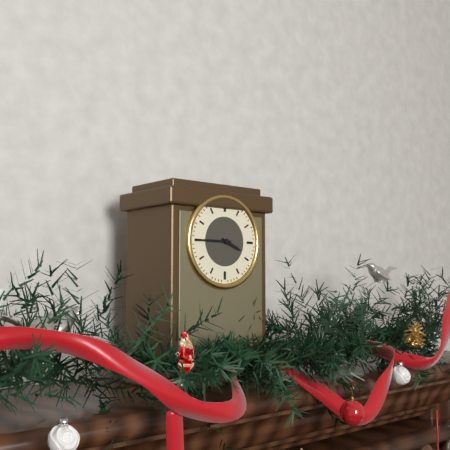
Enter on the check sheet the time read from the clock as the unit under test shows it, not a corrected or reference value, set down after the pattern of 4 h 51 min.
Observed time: 3 h 45 min
